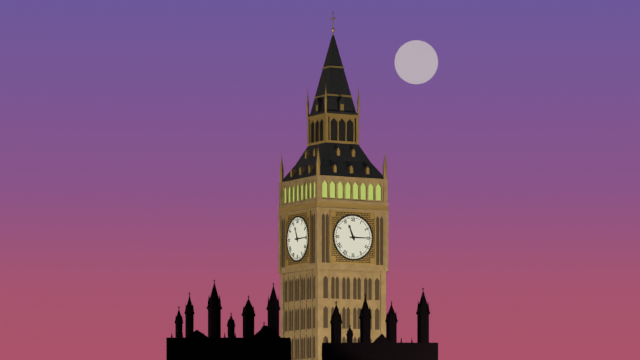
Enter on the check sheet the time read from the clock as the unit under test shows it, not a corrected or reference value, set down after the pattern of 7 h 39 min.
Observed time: 11 h 15 min
